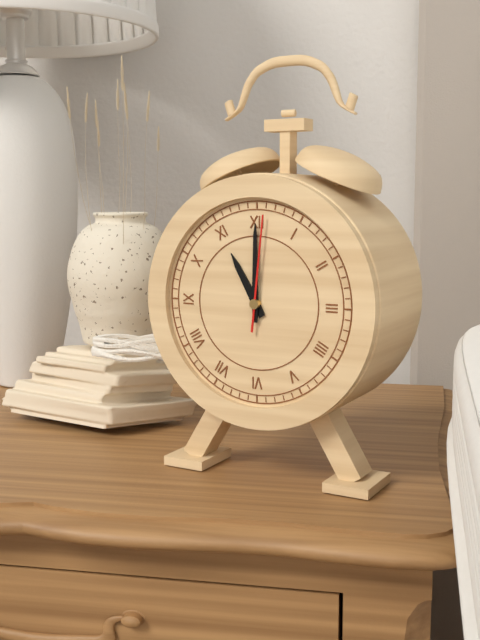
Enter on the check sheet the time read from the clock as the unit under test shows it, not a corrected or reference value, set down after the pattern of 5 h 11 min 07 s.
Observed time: 11 h 00 min 01 s
